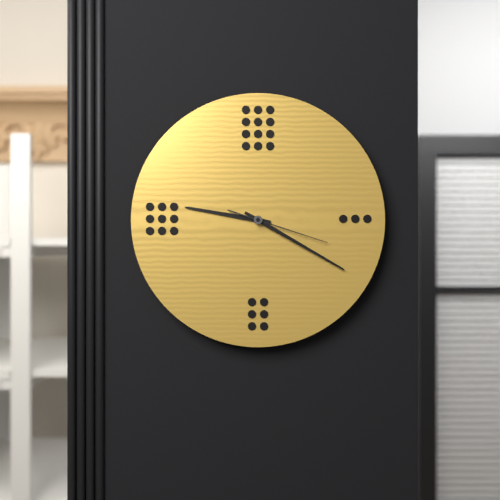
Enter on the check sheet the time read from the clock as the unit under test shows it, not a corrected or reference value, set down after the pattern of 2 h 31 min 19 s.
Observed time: 9 h 20 min 18 s
